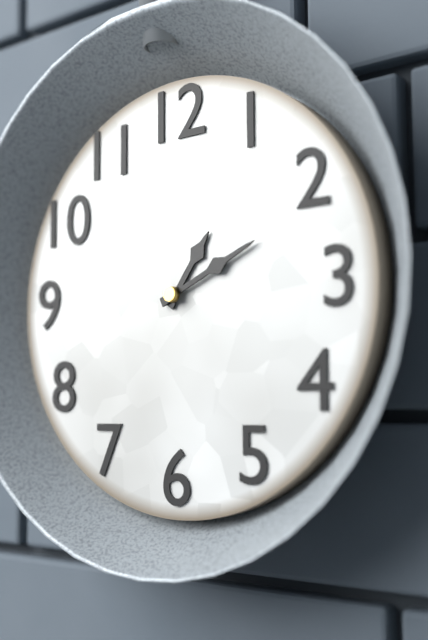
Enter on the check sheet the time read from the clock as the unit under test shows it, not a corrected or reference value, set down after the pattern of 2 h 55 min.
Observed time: 1 h 11 min
